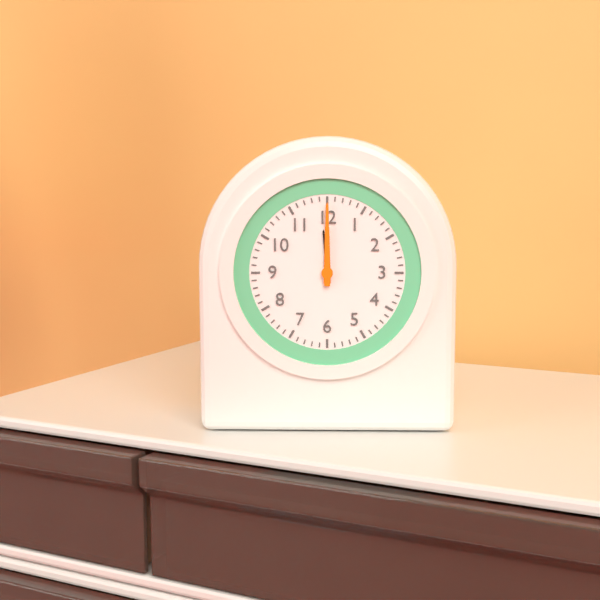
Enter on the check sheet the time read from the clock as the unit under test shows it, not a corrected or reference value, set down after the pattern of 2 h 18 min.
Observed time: 12 h 00 min
